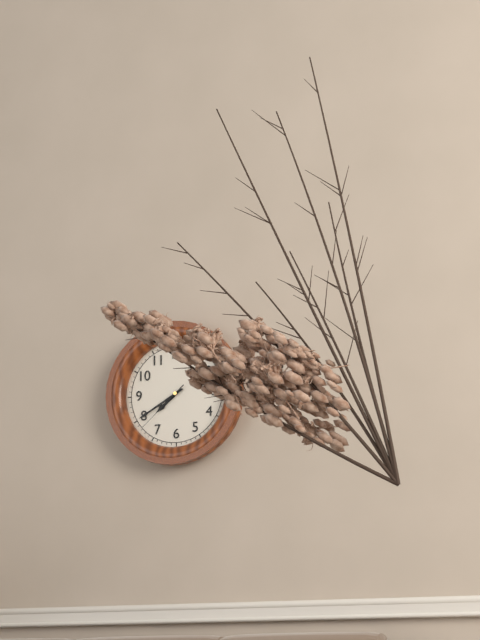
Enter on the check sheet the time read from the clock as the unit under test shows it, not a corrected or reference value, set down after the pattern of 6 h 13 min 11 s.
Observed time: 7 h 40 min 38 s
